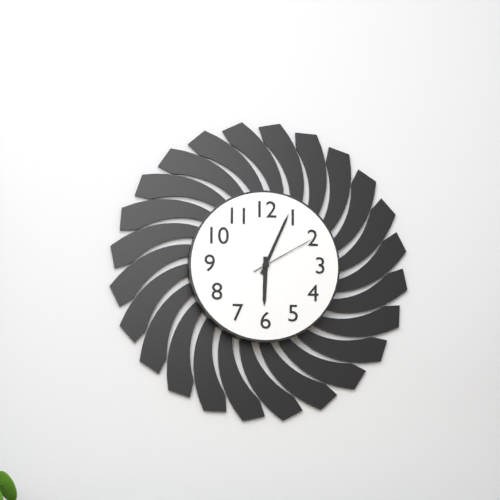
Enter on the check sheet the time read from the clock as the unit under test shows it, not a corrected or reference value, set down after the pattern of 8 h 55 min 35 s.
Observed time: 6 h 04 min 10 s
